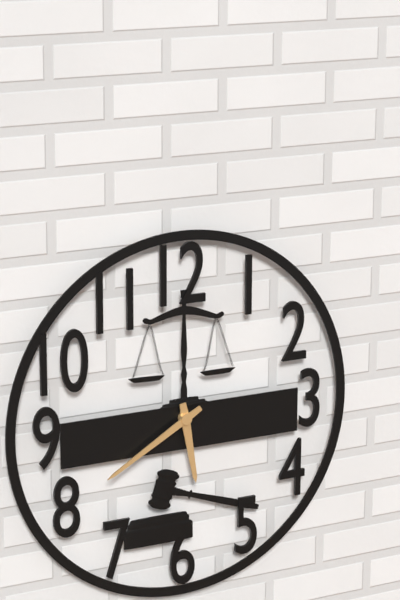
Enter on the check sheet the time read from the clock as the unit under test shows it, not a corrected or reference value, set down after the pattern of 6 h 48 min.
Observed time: 5 h 40 min
